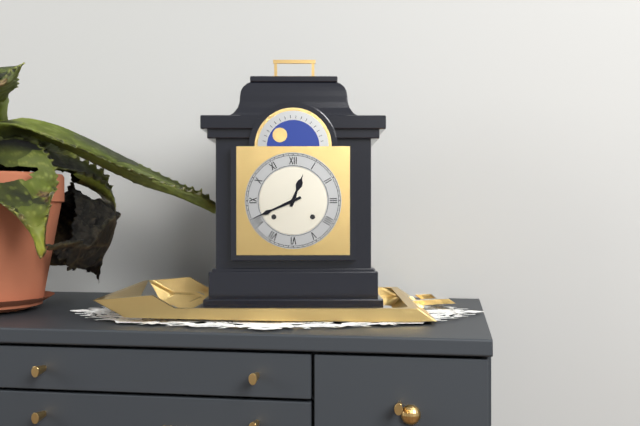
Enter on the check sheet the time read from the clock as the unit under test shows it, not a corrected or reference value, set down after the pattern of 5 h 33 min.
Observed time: 12 h 41 min
